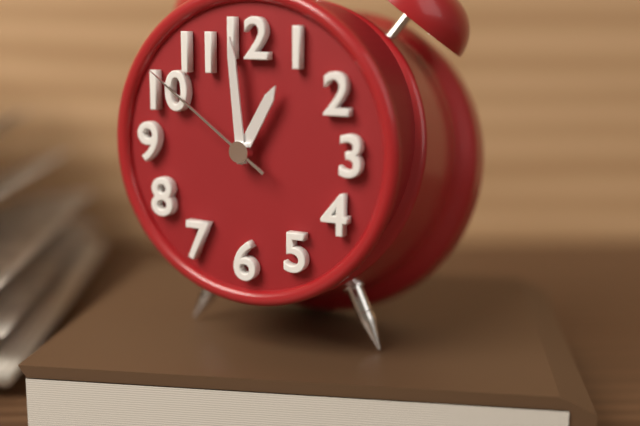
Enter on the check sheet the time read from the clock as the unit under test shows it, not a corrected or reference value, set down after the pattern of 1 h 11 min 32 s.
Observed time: 12 h 59 min 51 s
